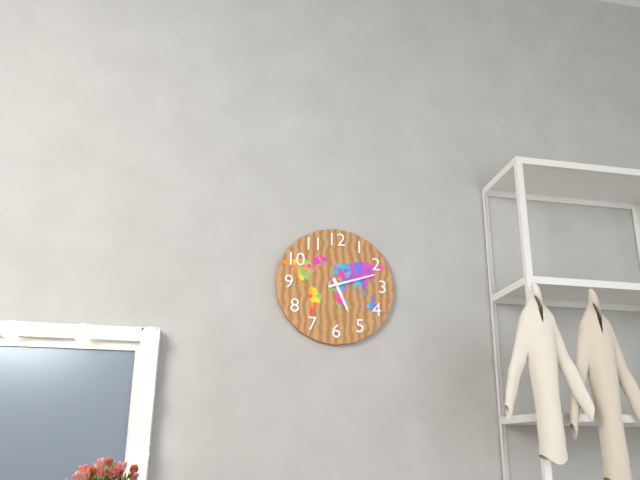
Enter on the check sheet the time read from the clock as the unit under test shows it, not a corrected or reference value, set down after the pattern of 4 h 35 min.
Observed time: 5 h 12 min
